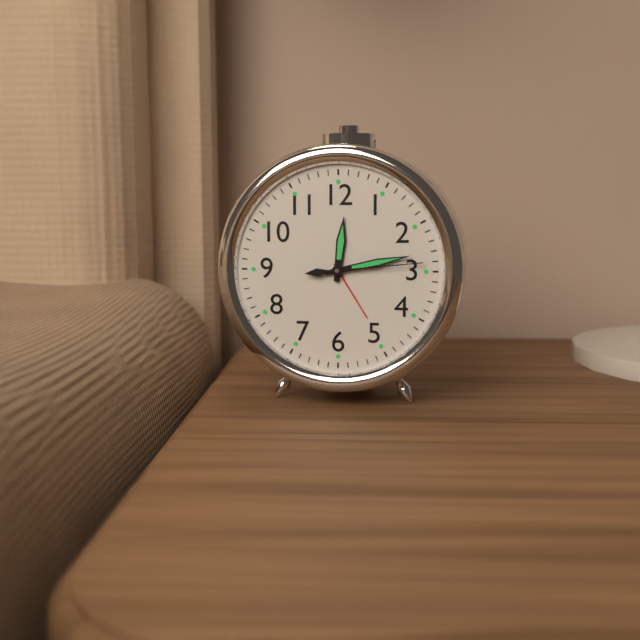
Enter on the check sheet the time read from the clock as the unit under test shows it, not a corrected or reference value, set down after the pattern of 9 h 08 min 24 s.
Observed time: 12 h 13 min 14 s
